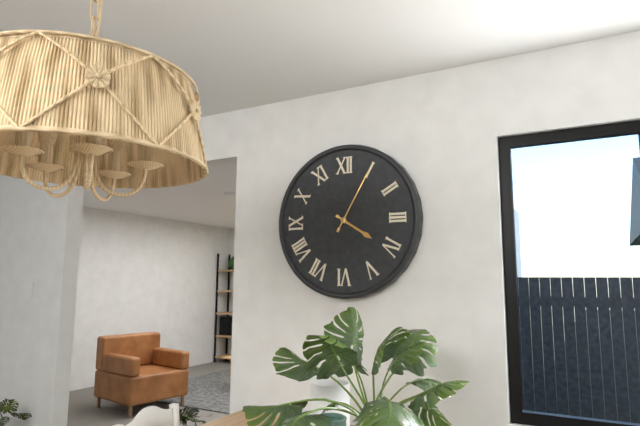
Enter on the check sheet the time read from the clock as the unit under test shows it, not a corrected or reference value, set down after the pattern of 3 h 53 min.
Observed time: 4 h 05 min
